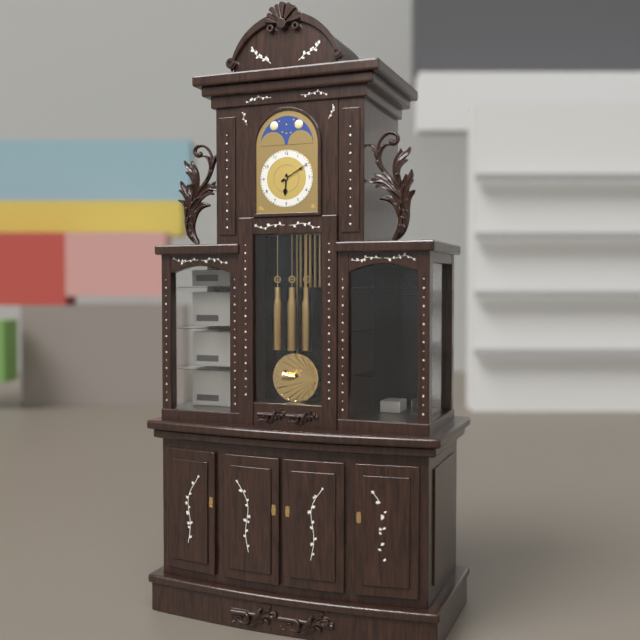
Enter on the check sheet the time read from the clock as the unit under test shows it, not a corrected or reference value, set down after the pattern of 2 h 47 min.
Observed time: 6 h 10 min
